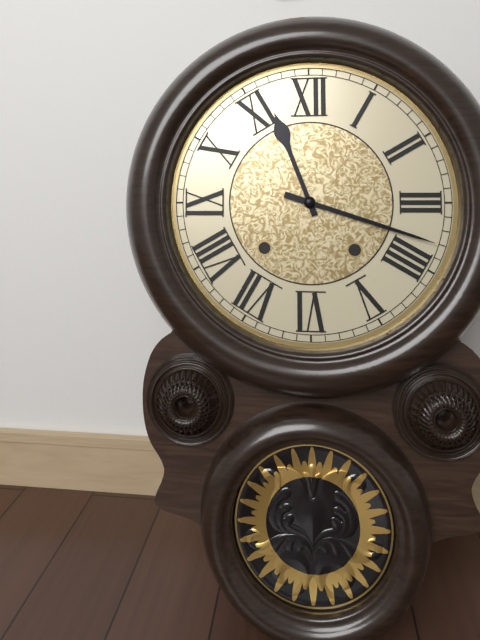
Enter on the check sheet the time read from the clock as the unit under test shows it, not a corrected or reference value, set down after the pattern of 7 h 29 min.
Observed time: 11 h 18 min
